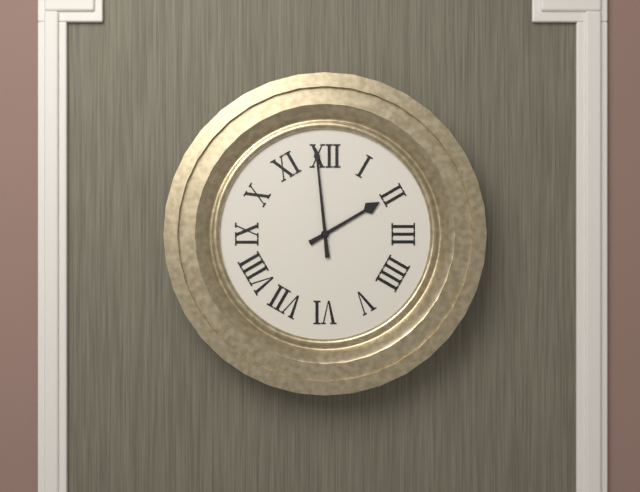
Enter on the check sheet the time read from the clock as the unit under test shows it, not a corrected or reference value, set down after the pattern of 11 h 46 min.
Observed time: 1 h 59 min
